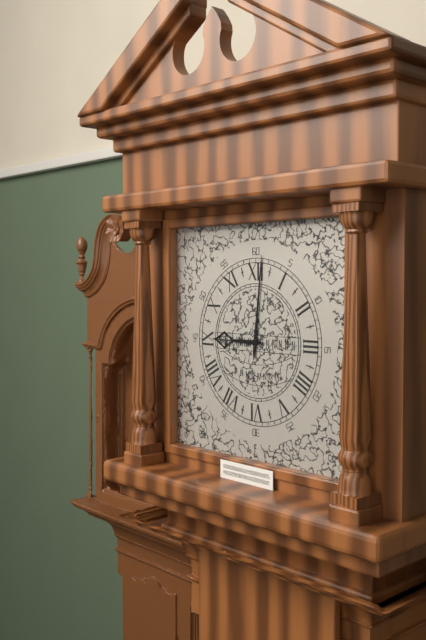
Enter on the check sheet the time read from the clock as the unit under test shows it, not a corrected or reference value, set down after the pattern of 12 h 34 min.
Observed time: 9 h 01 min
